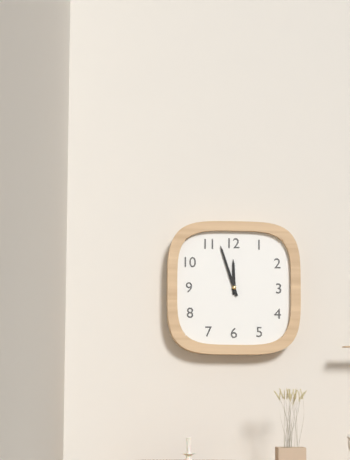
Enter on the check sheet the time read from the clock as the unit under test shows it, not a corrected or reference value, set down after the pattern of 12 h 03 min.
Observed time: 11 h 57 min
